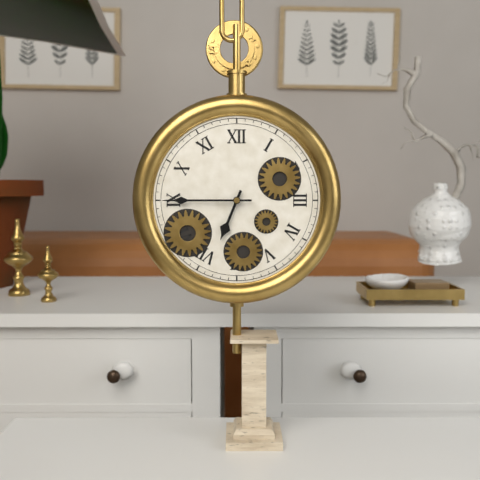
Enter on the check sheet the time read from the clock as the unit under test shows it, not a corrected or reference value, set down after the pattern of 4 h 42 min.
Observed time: 6 h 45 min
